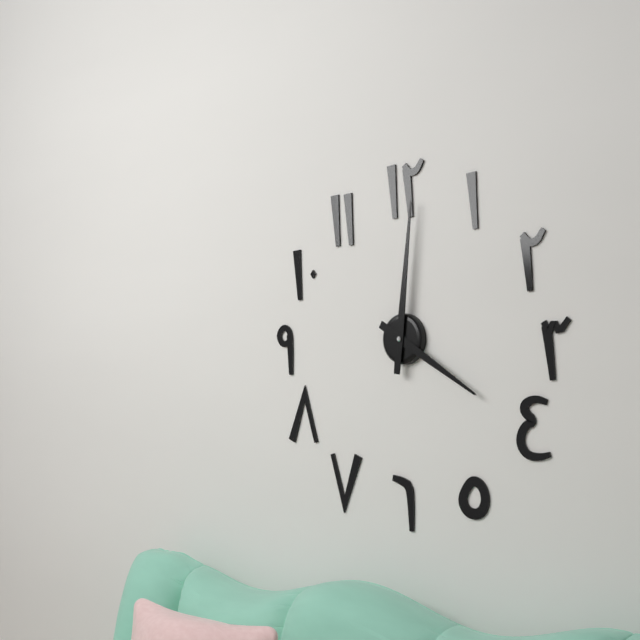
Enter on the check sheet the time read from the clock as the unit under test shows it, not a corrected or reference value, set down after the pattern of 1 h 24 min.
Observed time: 4 h 01 min
